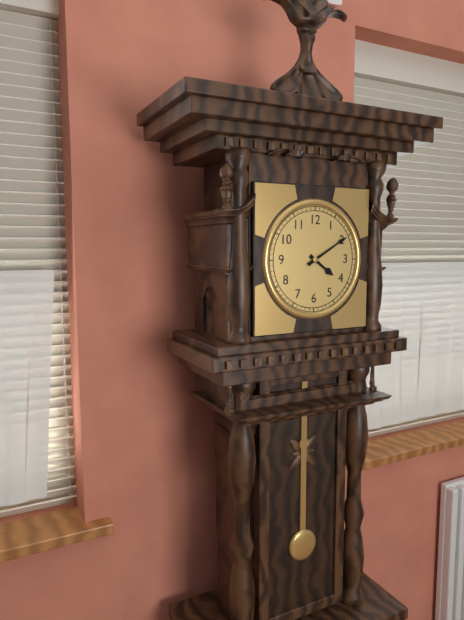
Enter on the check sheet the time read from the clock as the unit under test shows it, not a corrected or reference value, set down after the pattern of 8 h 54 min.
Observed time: 4 h 10 min
